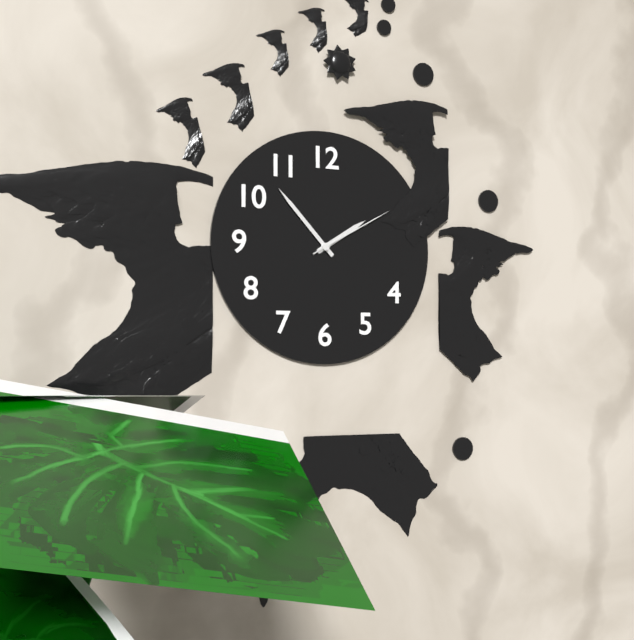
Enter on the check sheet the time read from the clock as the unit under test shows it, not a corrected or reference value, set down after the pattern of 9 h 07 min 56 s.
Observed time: 1 h 53 min 10 s
